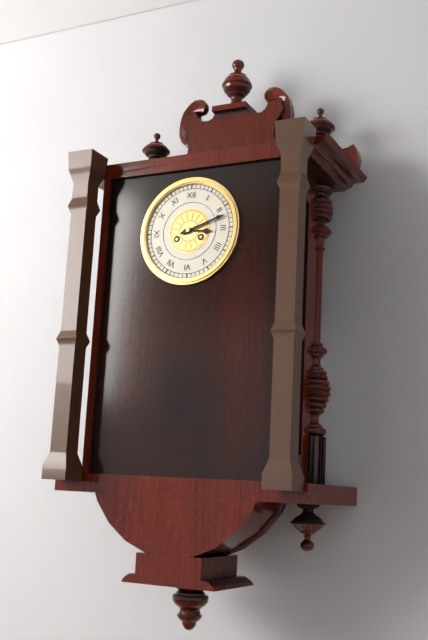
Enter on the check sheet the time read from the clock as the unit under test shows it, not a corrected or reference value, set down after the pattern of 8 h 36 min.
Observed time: 3 h 12 min
